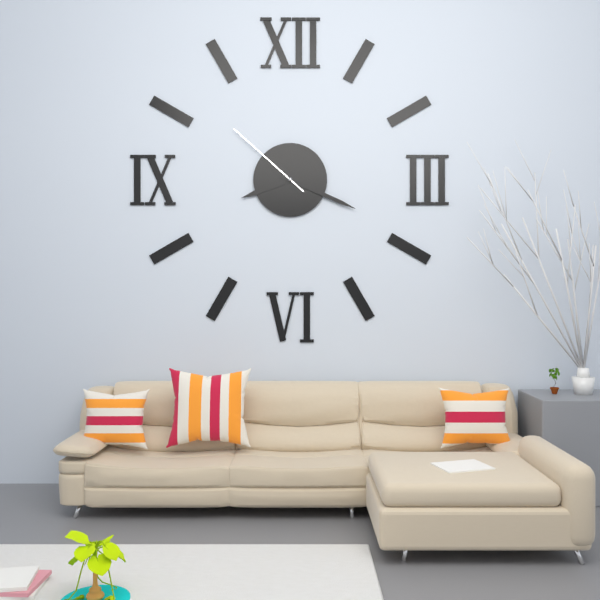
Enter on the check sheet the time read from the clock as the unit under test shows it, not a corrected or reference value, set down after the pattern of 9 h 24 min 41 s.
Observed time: 8 h 19 min 52 s
